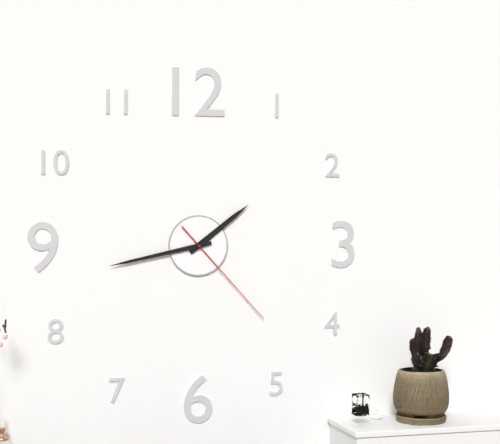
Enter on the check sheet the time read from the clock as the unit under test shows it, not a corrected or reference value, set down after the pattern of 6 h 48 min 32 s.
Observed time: 1 h 43 min 23 s
